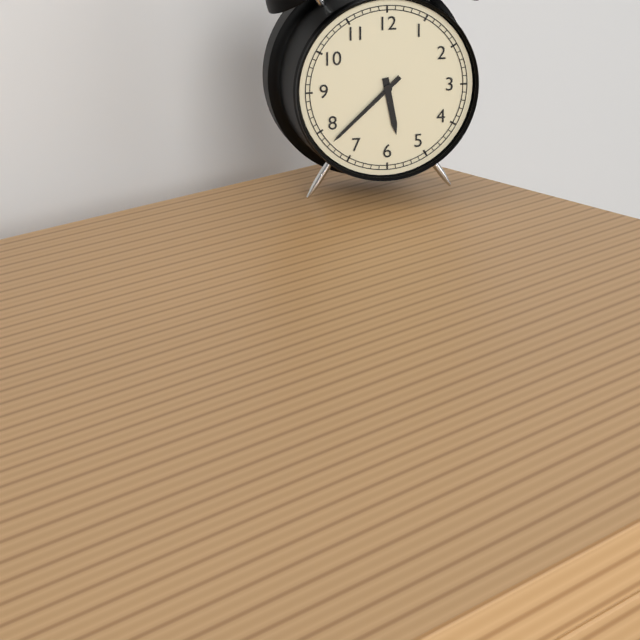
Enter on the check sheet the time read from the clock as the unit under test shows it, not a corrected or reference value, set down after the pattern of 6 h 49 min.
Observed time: 5 h 38 min
